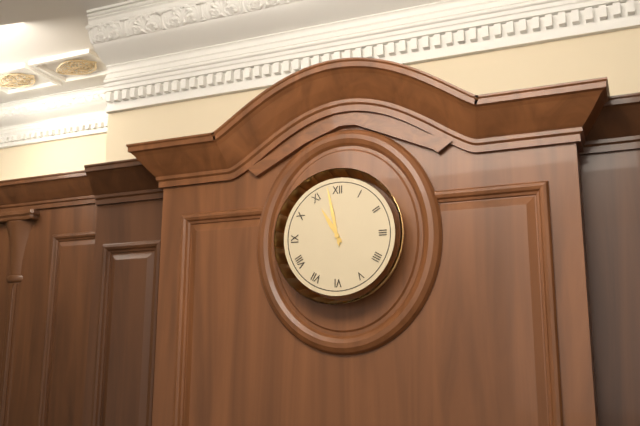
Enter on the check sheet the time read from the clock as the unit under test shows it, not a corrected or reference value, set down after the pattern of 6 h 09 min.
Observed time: 10 h 58 min
